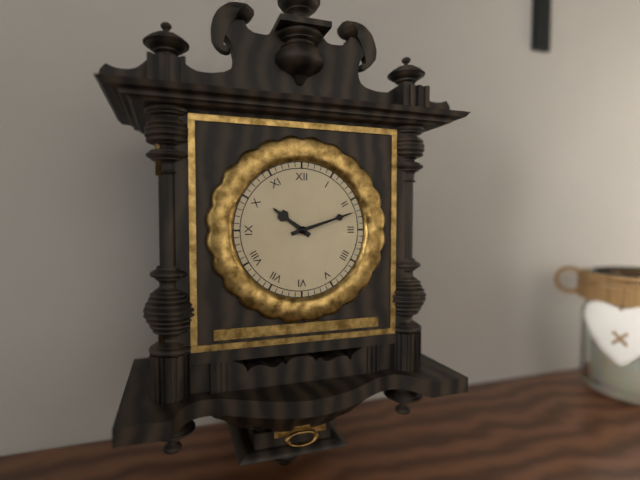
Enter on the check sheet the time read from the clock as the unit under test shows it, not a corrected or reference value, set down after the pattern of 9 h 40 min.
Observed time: 10 h 12 min
